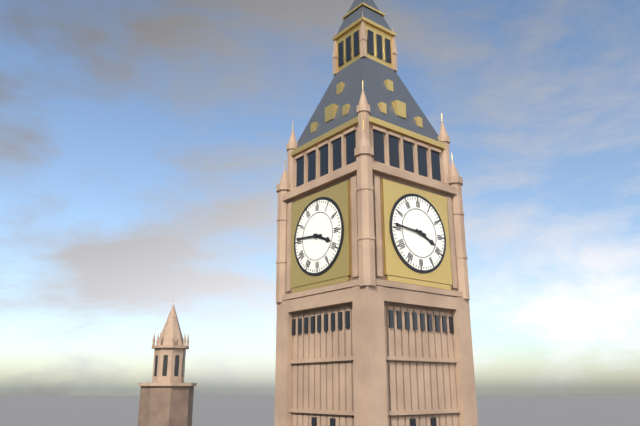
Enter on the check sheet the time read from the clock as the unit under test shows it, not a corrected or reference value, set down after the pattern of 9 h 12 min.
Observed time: 3 h 46 min
